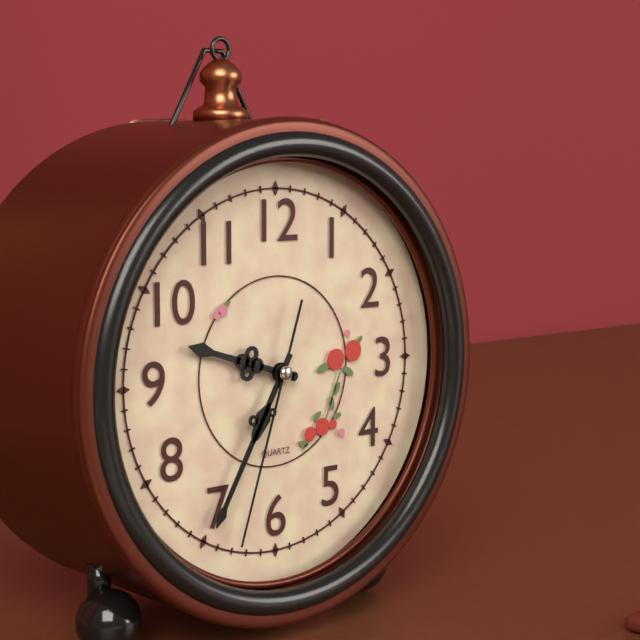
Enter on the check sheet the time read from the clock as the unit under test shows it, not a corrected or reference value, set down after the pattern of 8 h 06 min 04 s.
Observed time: 9 h 35 min 33 s
